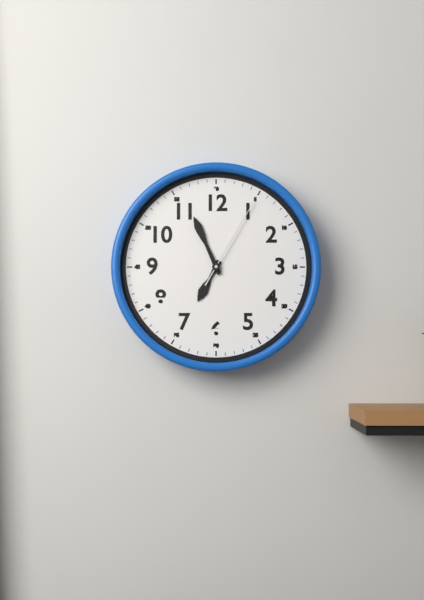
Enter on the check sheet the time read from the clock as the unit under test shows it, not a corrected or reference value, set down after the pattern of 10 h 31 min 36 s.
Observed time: 6 h 56 min 05 s
